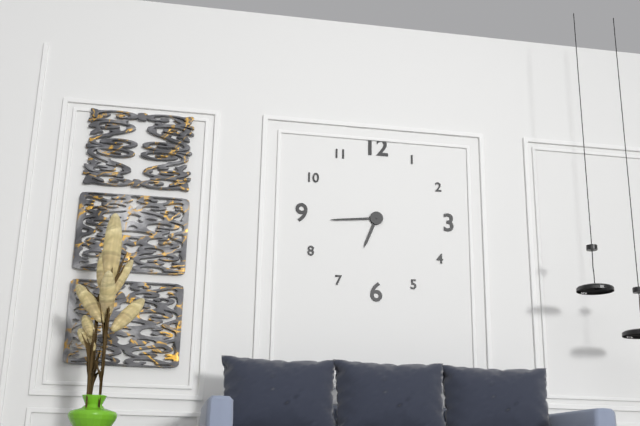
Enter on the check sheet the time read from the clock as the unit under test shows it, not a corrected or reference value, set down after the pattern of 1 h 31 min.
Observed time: 6 h 44 min
